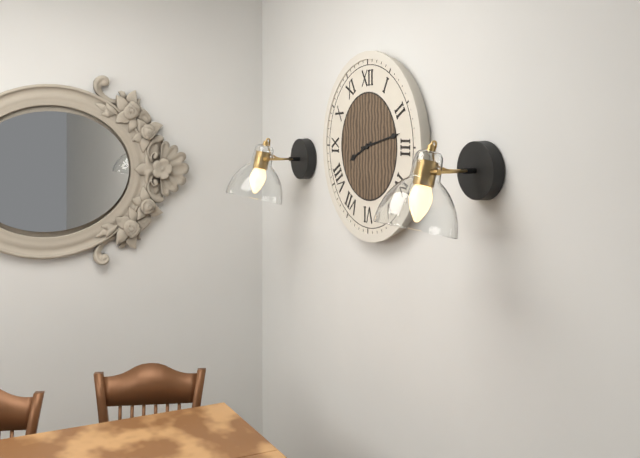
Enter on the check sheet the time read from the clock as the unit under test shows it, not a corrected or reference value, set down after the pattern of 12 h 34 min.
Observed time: 8 h 13 min
